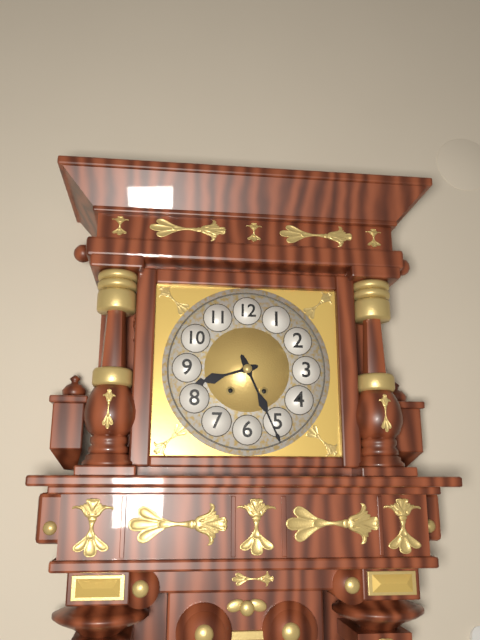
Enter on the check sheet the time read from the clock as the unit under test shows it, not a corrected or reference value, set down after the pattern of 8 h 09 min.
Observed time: 8 h 26 min
